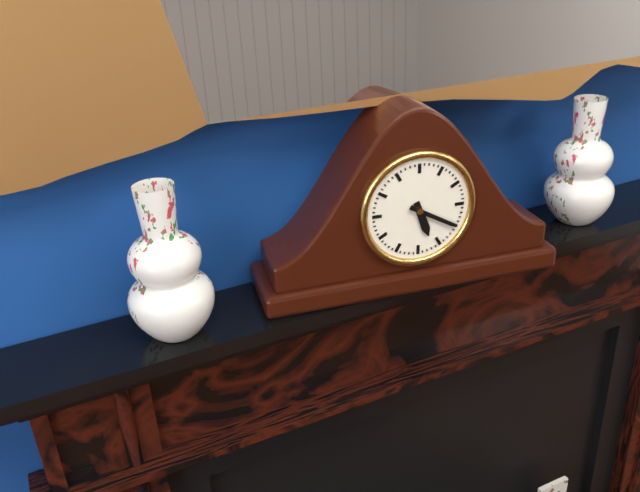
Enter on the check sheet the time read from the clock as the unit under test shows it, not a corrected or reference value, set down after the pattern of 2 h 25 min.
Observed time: 5 h 20 min
